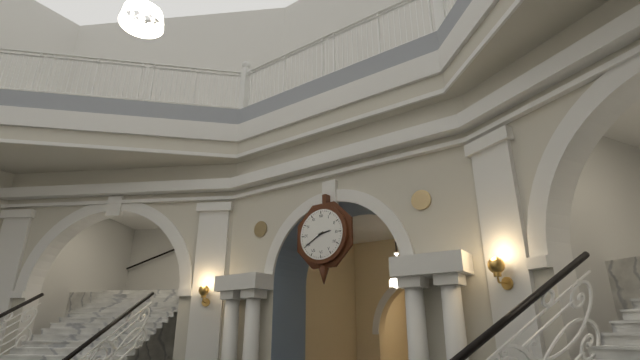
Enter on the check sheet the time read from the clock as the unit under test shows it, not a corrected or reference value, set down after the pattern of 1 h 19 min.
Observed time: 2 h 40 min
